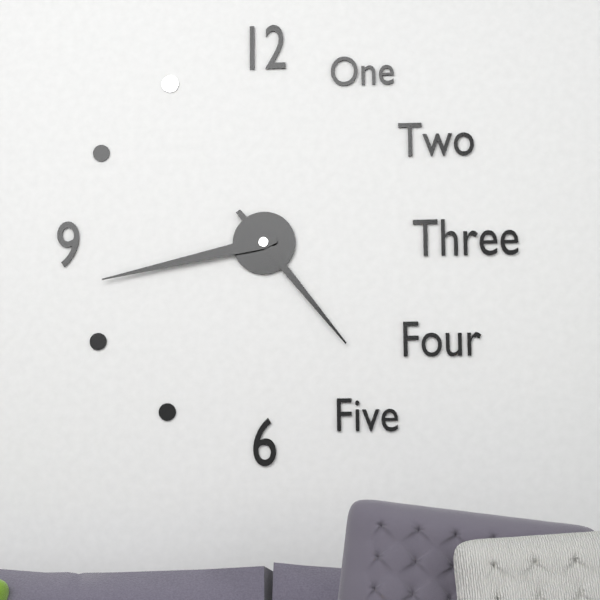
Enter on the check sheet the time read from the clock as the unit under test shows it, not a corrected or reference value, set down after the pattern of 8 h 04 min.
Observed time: 4 h 43 min
